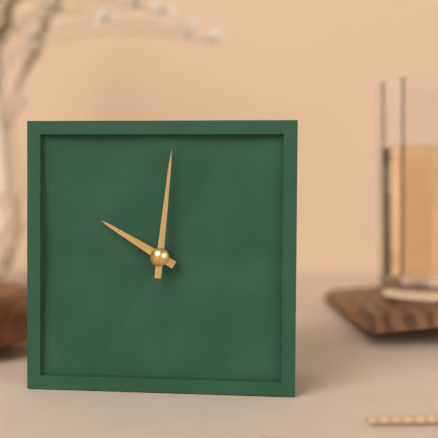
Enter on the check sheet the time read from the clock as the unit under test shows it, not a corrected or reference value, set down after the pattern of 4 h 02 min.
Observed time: 10 h 01 min
